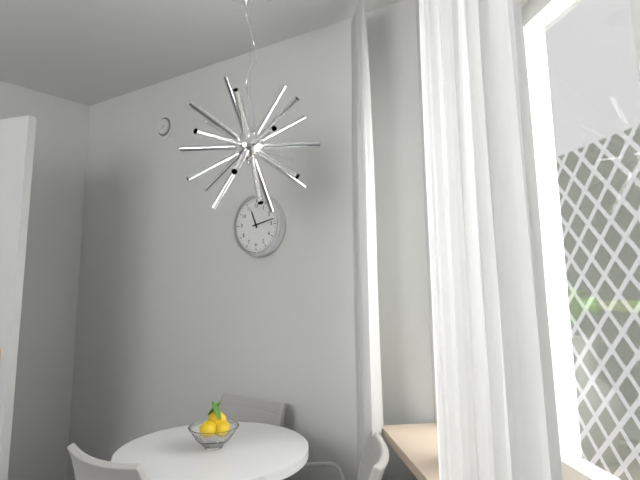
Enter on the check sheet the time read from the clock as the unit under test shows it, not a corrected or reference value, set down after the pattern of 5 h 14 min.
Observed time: 11 h 13 min
